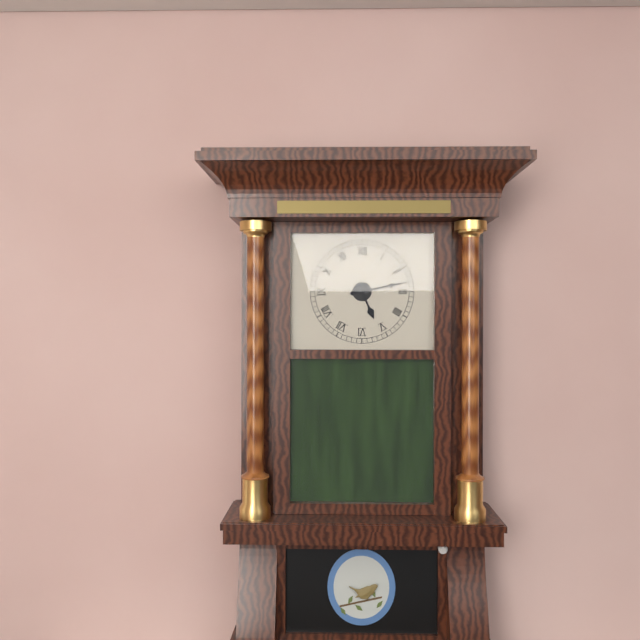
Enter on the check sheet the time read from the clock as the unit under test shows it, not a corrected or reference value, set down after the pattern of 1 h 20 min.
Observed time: 5 h 13 min
